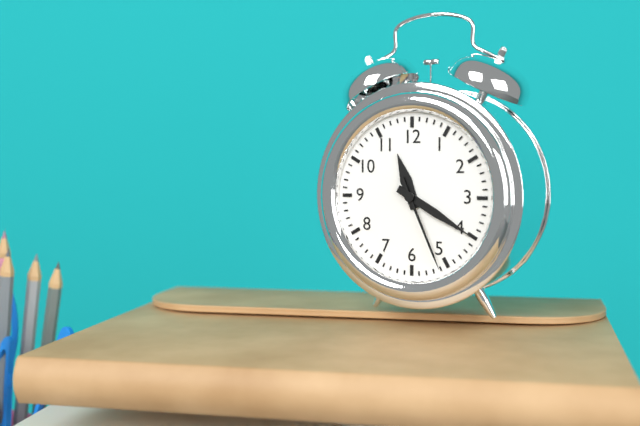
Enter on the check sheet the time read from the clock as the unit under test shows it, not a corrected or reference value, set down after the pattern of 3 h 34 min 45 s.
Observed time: 11 h 20 min 26 s
